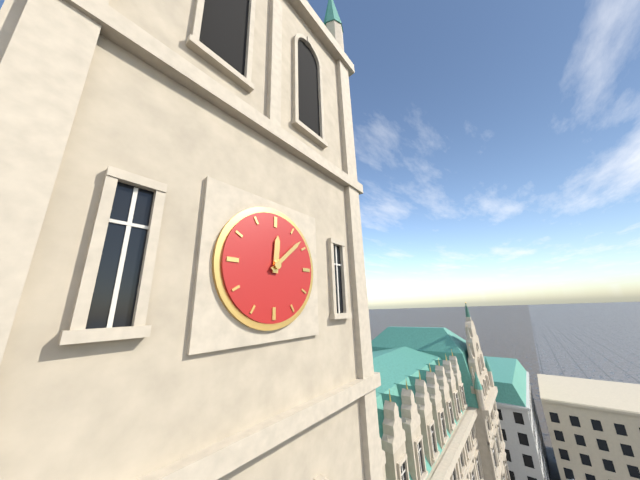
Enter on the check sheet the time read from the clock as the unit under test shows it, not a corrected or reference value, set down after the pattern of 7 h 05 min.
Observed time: 12 h 08 min
